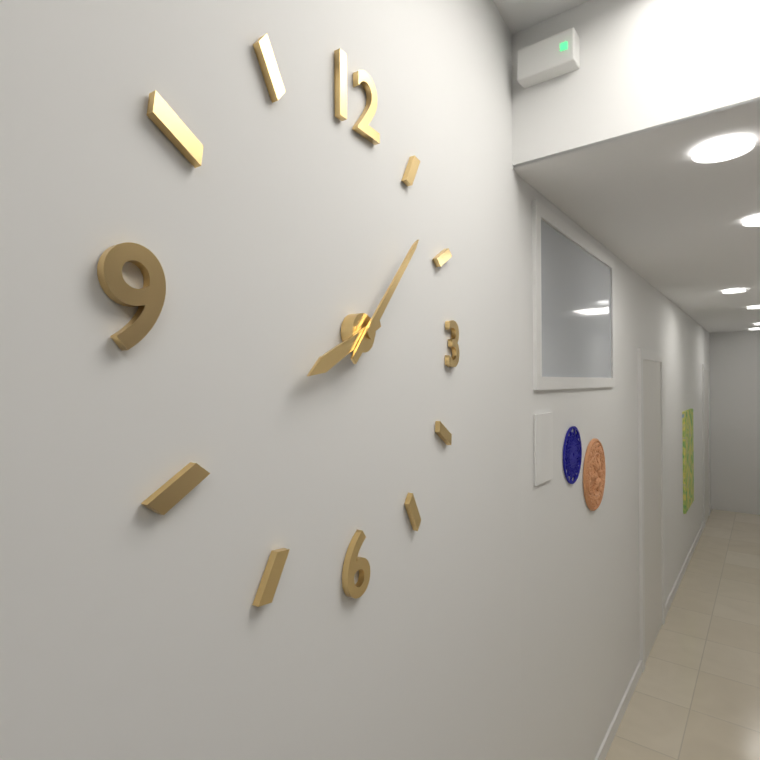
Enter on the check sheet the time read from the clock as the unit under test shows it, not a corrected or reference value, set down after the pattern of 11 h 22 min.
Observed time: 8 h 07 min
